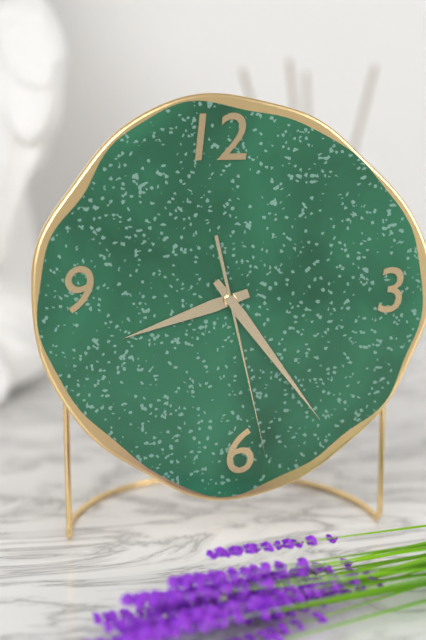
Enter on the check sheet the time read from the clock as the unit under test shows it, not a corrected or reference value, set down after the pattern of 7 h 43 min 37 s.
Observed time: 8 h 24 min 28 s
